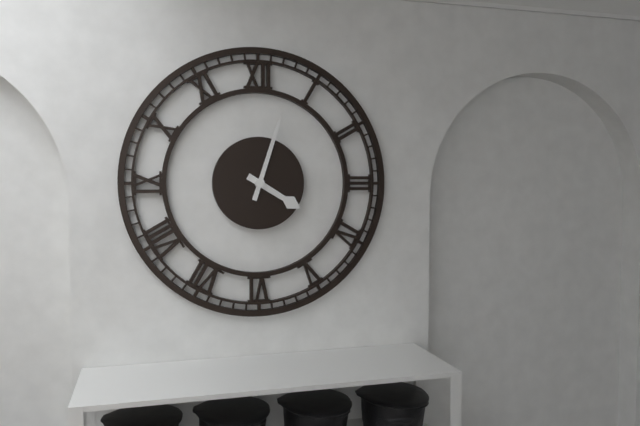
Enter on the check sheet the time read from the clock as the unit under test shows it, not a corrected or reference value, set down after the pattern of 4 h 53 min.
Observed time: 4 h 03 min
